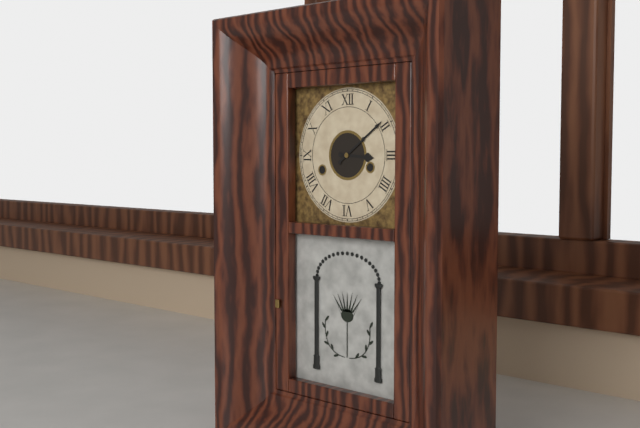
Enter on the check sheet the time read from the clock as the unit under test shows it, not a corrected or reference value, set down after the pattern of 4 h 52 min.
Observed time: 3 h 09 min
